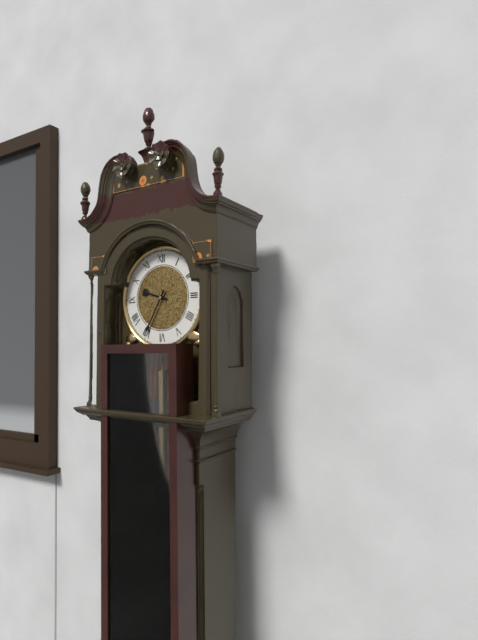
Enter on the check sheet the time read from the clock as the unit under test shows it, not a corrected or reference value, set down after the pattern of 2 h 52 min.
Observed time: 9 h 35 min
